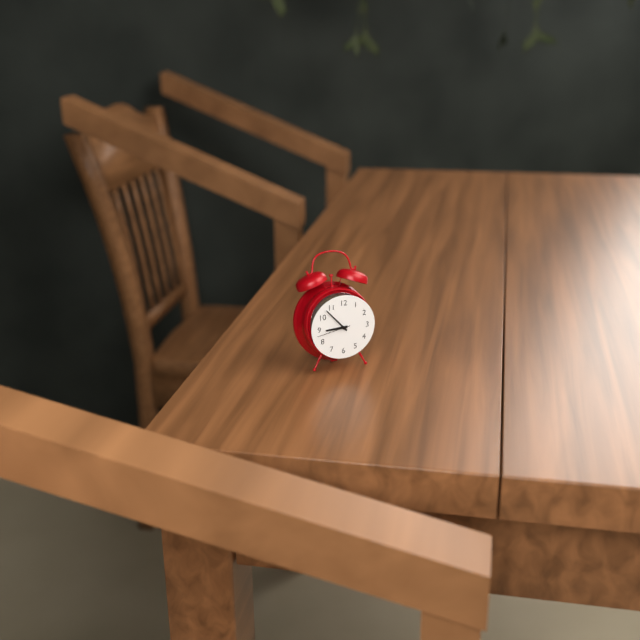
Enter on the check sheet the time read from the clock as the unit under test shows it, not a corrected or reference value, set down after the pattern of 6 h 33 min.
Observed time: 8 h 53 min
